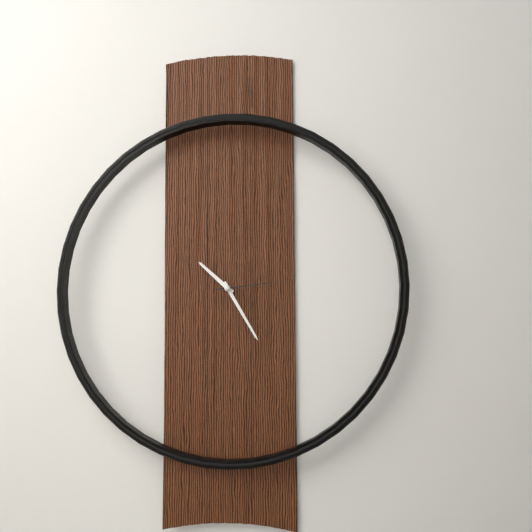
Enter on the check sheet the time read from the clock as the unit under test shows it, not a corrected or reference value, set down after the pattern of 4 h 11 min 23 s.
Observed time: 10 h 25 min 14 s
